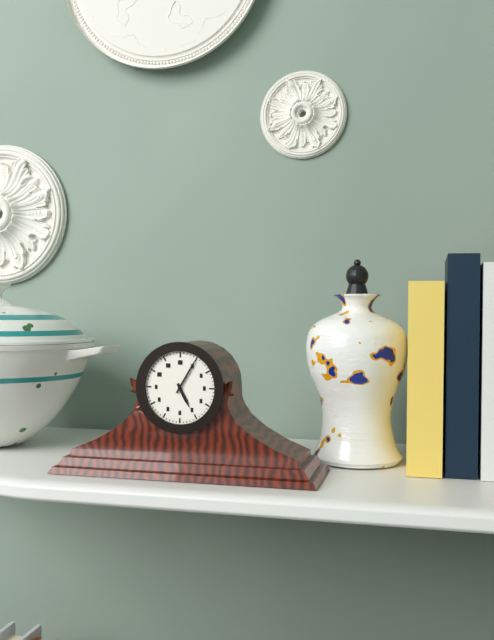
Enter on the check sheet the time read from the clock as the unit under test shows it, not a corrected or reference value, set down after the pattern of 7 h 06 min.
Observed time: 5 h 05 min
